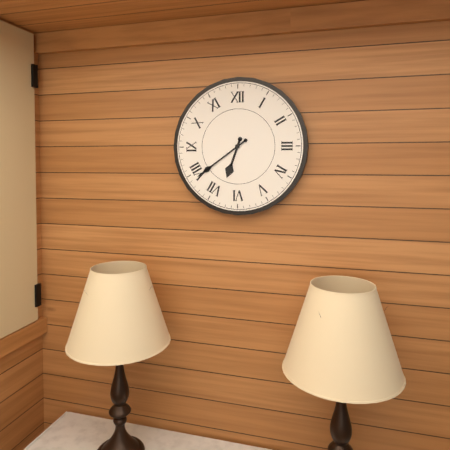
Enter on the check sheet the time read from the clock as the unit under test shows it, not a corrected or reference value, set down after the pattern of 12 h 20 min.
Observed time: 6 h 39 min
